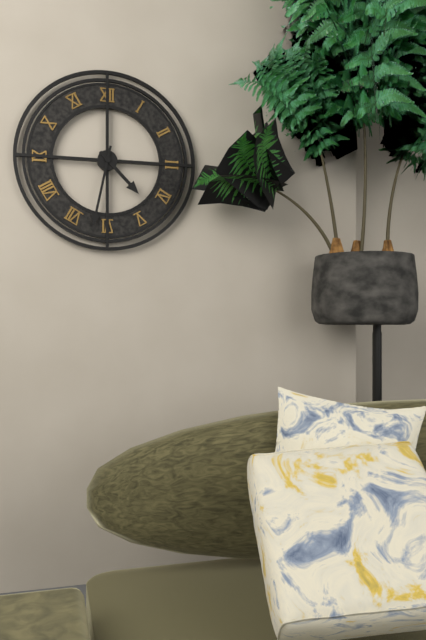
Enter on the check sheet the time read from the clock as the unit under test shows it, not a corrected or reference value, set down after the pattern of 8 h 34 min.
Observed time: 4 h 32 min
